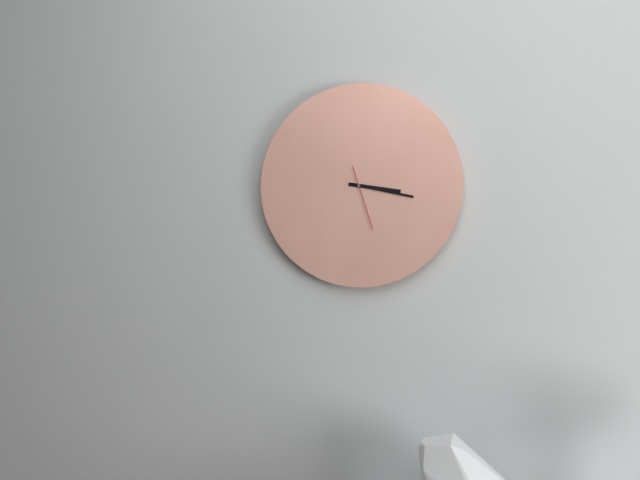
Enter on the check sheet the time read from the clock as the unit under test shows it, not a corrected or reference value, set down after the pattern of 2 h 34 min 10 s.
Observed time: 3 h 17 min 27 s
